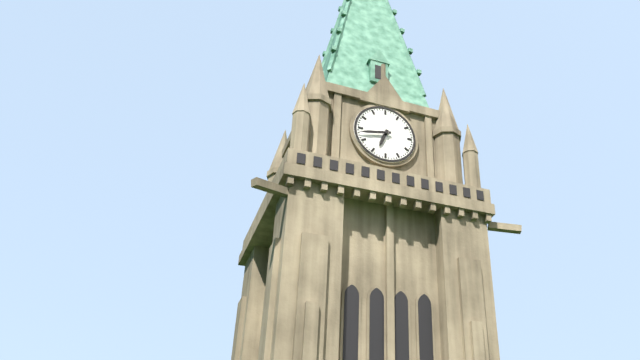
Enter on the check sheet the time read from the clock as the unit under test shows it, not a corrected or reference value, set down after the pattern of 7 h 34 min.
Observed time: 6 h 43 min
